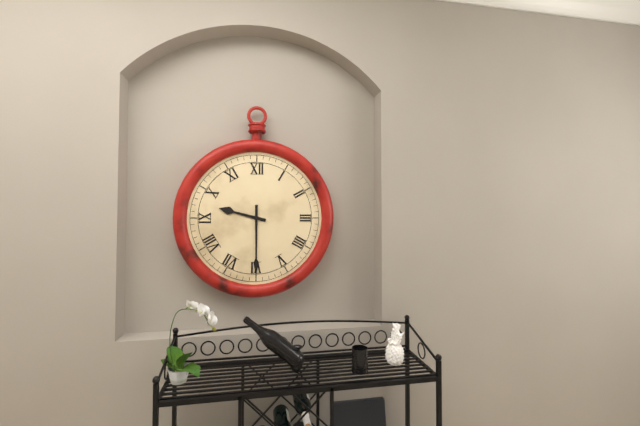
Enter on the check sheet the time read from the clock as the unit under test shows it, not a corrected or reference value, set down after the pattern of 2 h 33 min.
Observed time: 9 h 30 min
